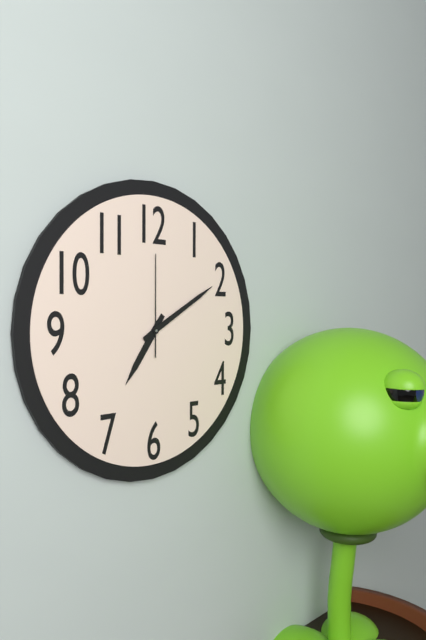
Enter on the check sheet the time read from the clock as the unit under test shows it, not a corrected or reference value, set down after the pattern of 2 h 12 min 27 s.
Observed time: 7 h 10 min 00 s
